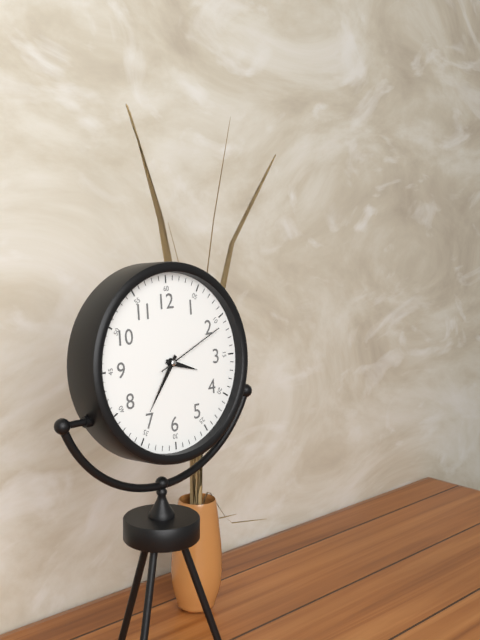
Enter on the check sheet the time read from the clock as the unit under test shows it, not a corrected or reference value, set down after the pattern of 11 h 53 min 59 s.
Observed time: 3 h 36 min 11 s
